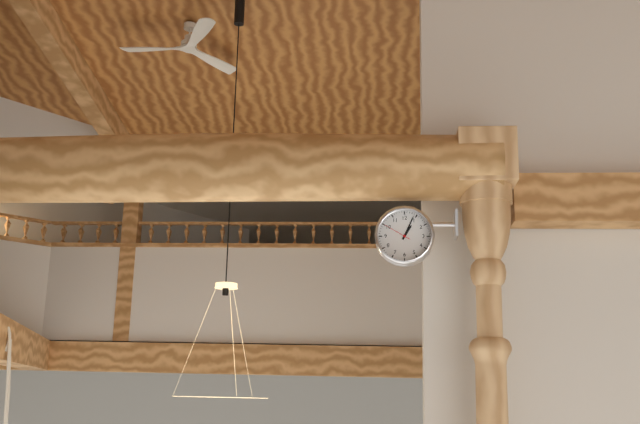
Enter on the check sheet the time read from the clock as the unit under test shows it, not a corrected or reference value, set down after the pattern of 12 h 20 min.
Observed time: 1 h 04 min
